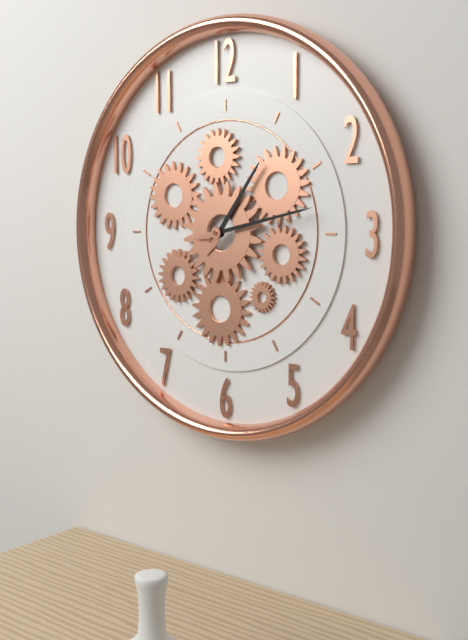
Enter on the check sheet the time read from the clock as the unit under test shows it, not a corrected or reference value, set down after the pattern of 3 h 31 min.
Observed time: 1 h 13 min
